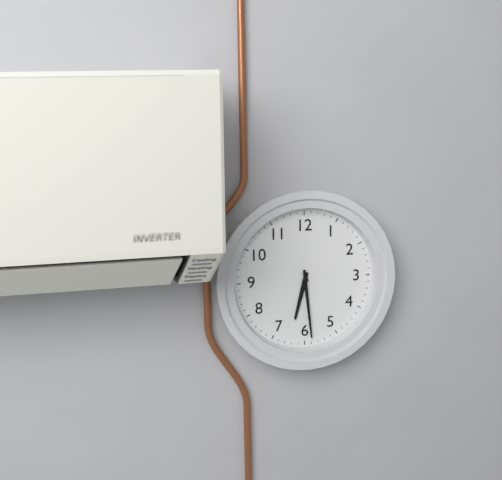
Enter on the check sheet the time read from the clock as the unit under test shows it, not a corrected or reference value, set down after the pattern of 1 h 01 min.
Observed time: 6 h 29 min
